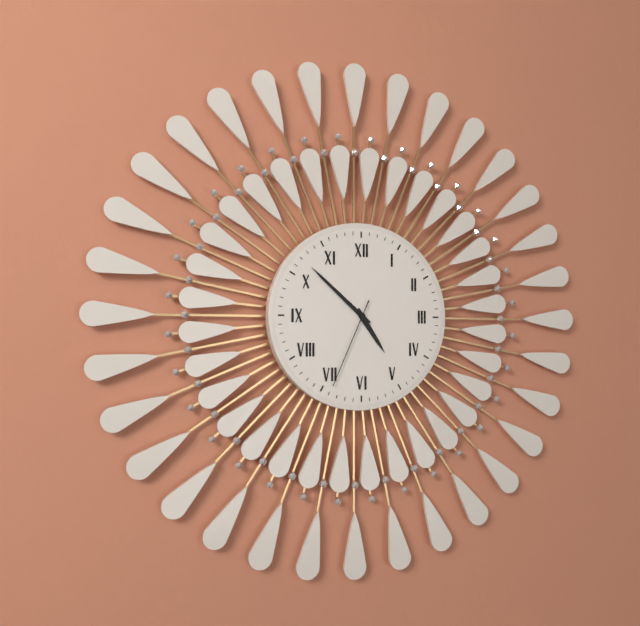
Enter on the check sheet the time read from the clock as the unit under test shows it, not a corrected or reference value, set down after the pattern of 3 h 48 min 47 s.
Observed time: 4 h 52 min 34 s
